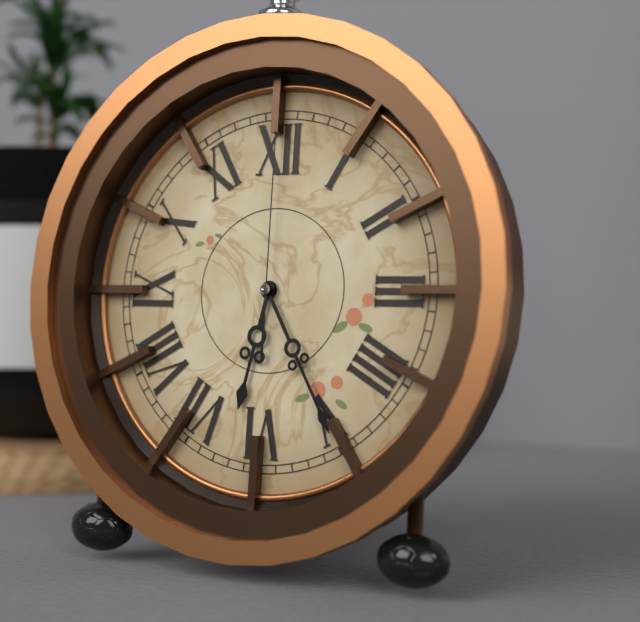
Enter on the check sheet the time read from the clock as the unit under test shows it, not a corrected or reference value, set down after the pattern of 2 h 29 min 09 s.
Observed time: 6 h 25 min 00 s
